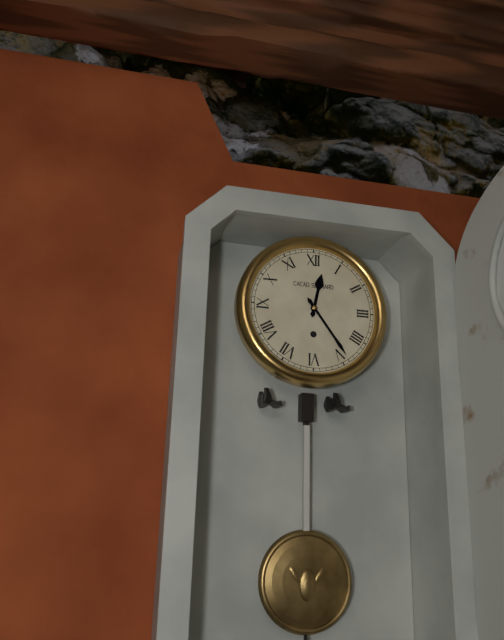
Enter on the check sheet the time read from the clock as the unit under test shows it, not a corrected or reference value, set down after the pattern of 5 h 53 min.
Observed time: 12 h 24 min
